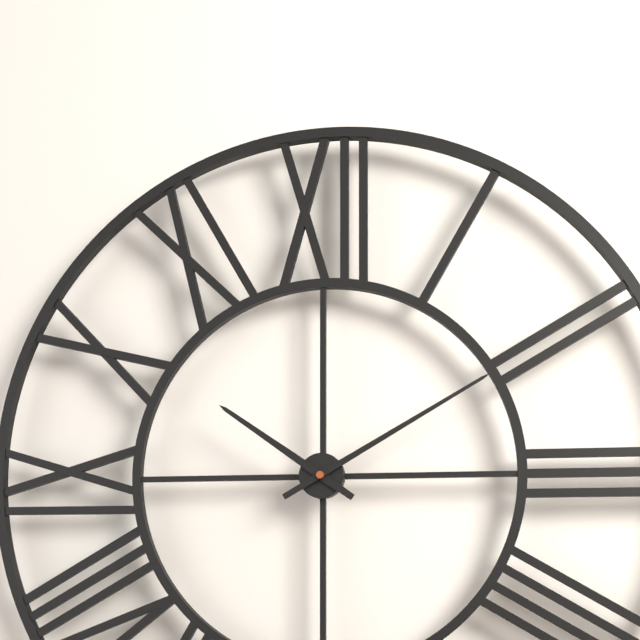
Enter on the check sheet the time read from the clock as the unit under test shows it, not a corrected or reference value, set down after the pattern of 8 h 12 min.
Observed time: 10 h 10 min
